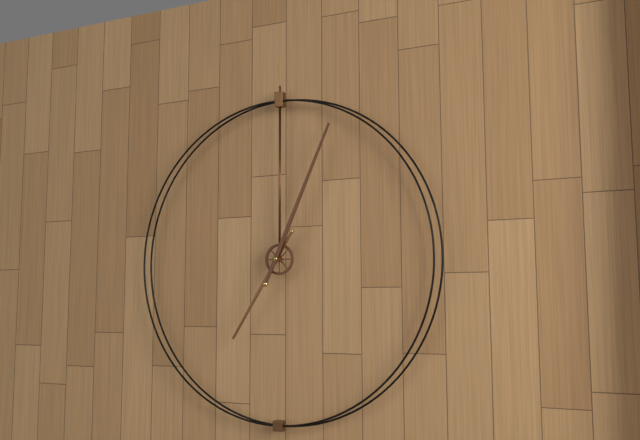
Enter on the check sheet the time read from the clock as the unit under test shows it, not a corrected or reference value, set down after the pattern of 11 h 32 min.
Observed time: 7 h 04 min
